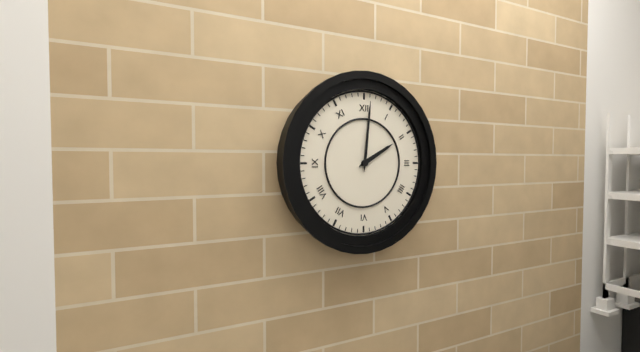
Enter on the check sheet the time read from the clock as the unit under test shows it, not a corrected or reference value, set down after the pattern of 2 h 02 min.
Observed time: 2 h 01 min
